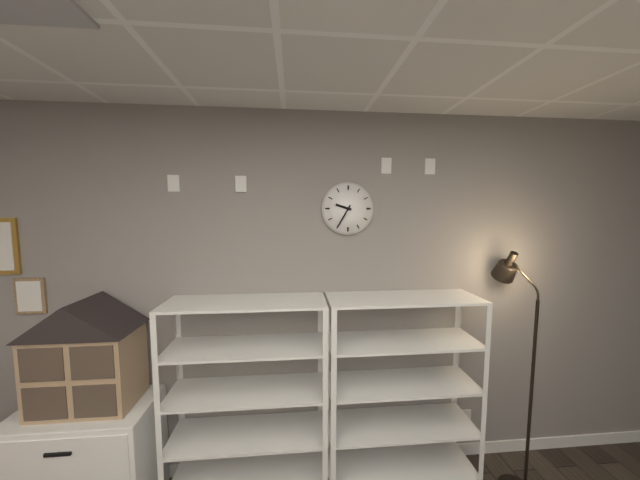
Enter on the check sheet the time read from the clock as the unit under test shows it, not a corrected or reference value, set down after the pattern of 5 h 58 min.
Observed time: 9 h 35 min
